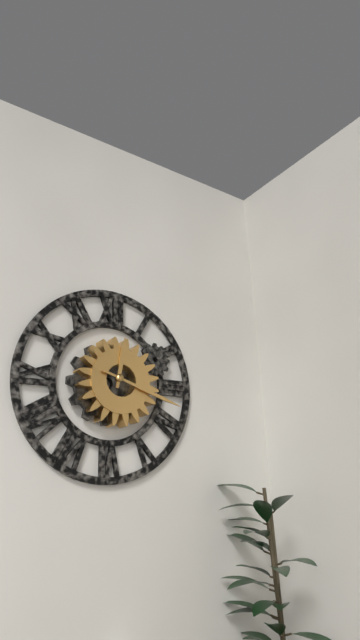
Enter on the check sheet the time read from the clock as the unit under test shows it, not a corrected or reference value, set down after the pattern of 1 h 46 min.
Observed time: 12 h 18 min
